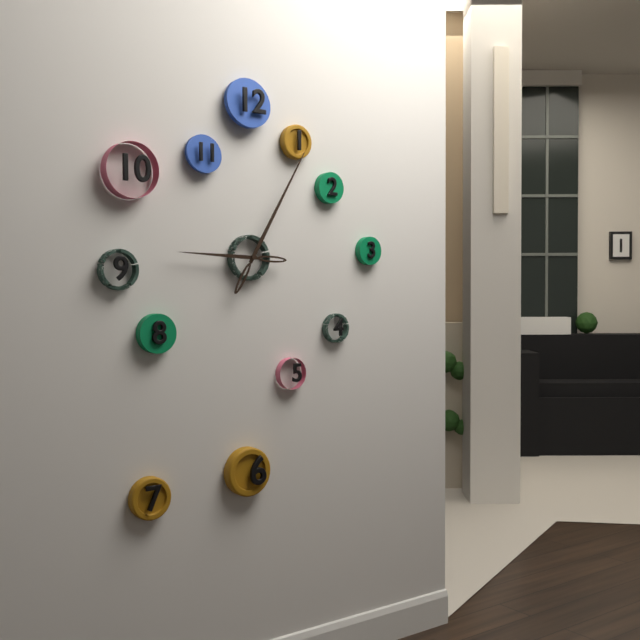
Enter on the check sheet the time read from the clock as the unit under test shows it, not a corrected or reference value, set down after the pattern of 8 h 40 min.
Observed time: 9 h 05 min
